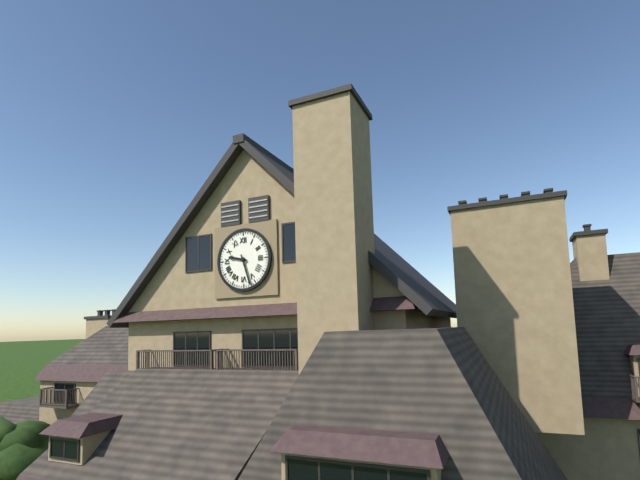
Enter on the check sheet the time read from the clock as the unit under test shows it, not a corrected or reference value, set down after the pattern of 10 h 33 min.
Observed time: 9 h 27 min
